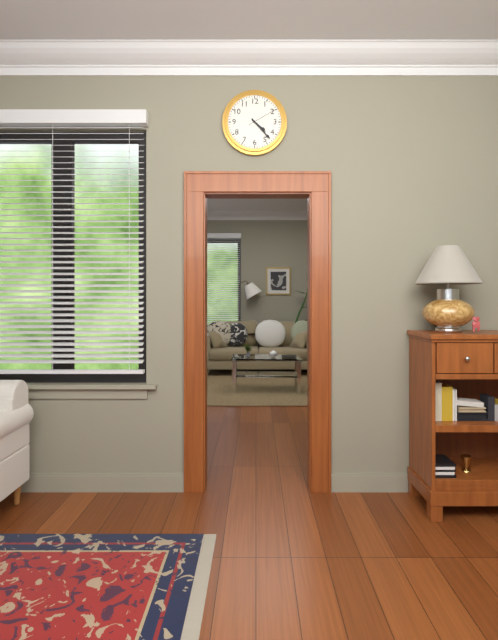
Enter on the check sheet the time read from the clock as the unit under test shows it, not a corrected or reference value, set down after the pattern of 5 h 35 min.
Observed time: 4 h 23 min
